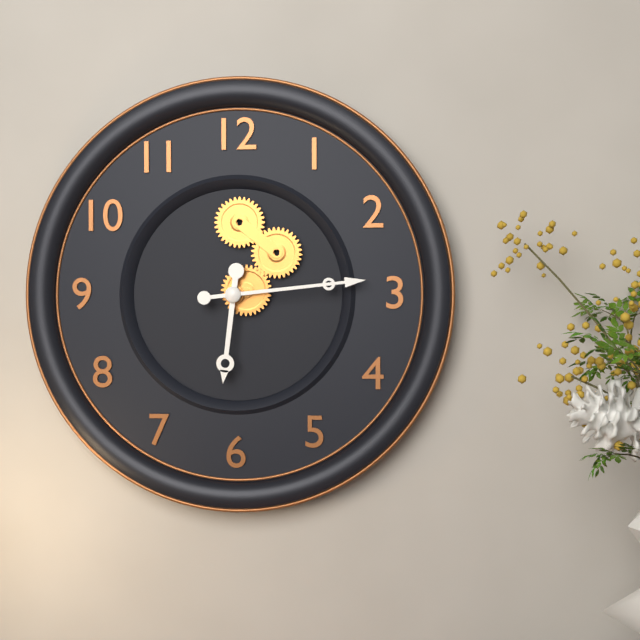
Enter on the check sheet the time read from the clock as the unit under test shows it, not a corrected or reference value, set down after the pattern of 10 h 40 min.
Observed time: 6 h 14 min
